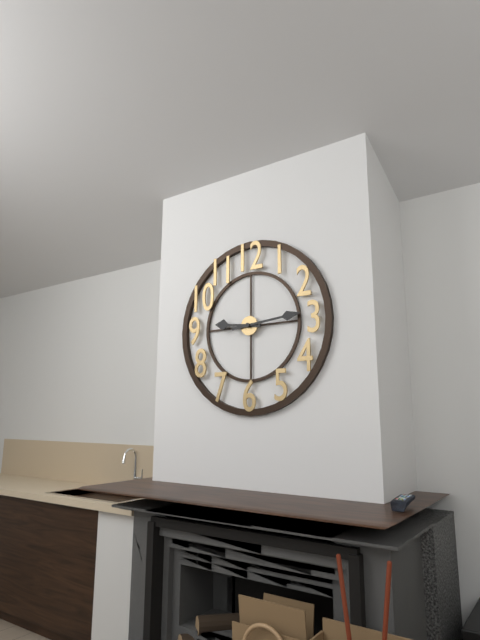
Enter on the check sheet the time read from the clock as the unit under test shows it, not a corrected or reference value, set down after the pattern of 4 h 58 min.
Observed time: 9 h 14 min
